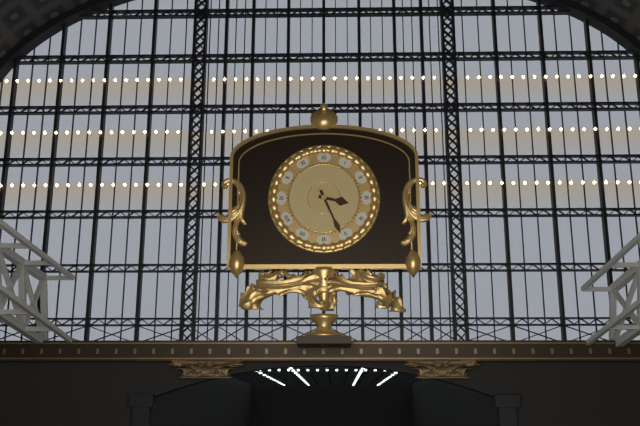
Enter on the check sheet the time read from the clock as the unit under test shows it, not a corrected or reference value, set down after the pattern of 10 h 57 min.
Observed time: 3 h 26 min
